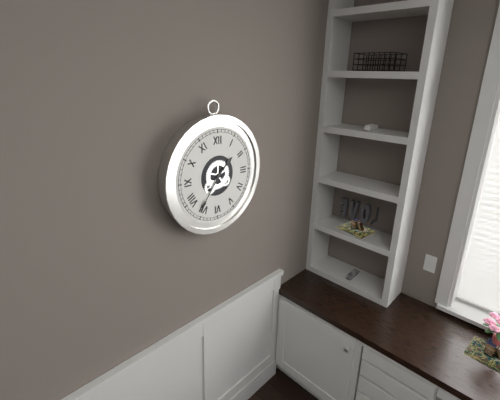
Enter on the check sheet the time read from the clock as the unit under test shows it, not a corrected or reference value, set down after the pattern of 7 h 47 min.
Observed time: 1 h 36 min
